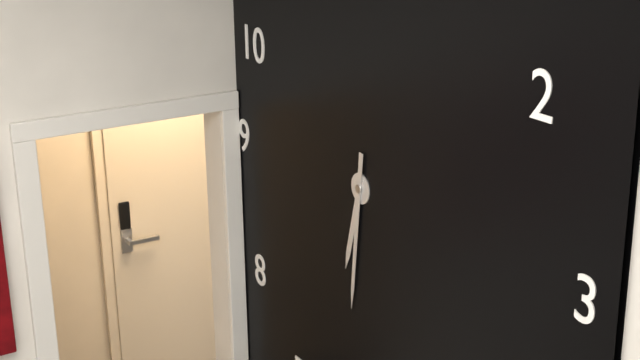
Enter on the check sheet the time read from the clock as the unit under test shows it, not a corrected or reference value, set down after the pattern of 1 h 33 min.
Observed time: 6 h 31 min
